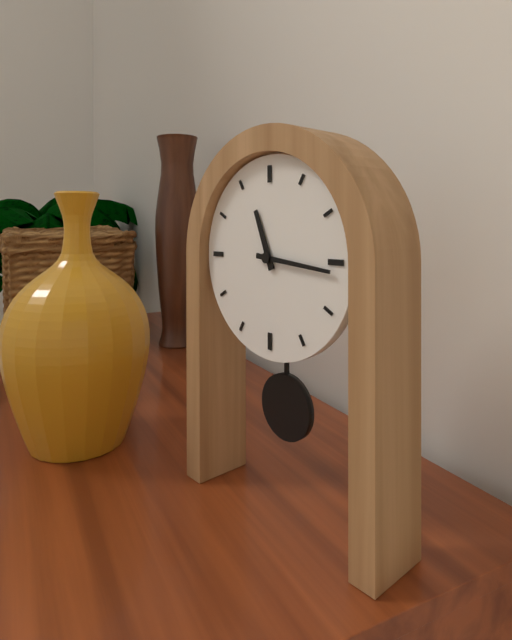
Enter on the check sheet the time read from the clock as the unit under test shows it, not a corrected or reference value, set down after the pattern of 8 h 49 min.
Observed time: 11 h 16 min
